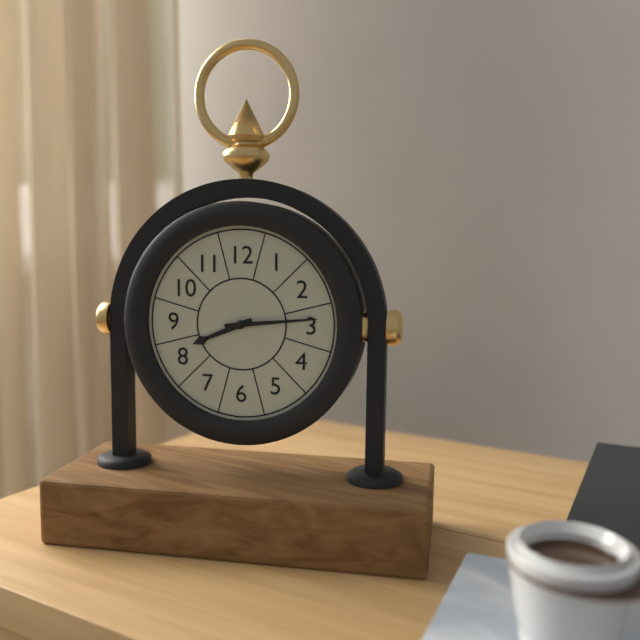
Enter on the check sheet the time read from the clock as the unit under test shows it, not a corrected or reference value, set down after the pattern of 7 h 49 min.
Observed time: 8 h 14 min
